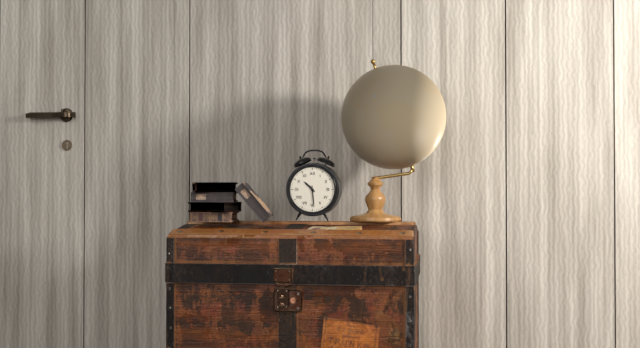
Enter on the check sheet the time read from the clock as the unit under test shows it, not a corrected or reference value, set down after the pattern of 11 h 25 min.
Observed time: 10 h 29 min
